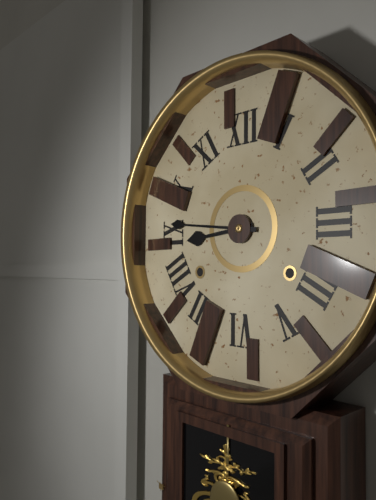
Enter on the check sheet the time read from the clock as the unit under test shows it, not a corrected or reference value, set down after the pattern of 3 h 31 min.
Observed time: 8 h 46 min
